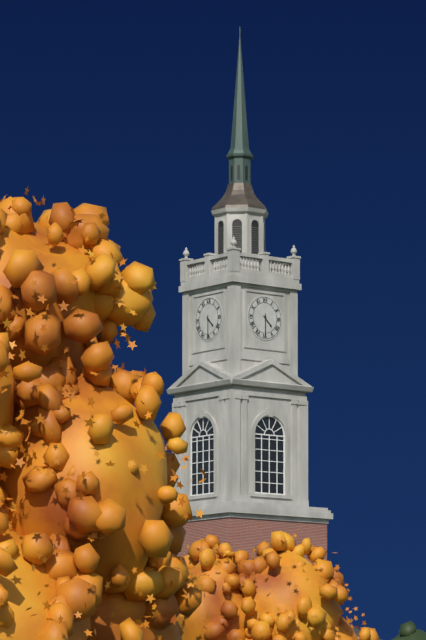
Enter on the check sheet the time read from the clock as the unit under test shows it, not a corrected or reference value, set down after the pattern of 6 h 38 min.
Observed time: 4 h 30 min
